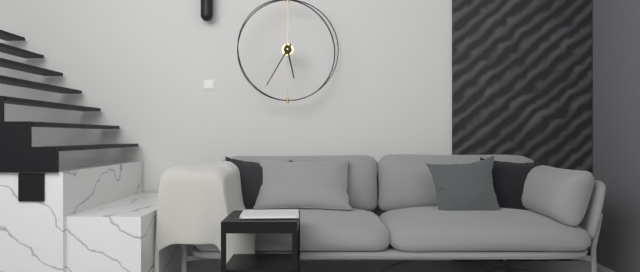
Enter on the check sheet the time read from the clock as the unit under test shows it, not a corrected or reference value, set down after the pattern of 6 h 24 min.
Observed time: 5 h 35 min
